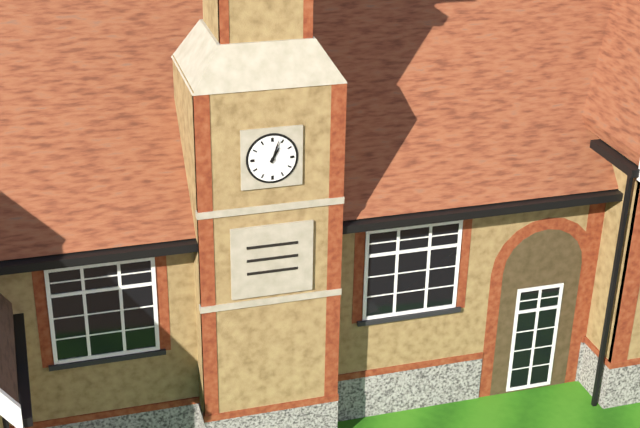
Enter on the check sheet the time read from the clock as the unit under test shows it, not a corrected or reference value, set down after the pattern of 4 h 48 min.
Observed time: 1 h 03 min
